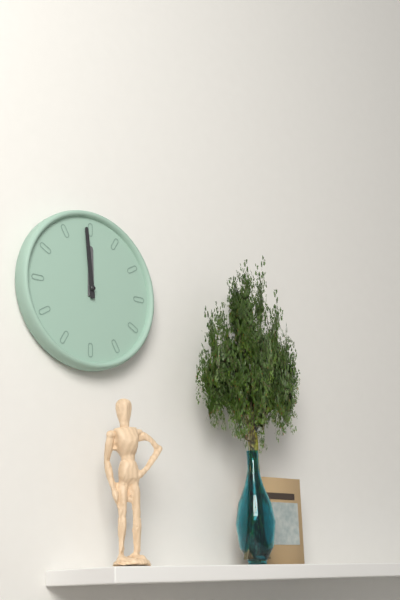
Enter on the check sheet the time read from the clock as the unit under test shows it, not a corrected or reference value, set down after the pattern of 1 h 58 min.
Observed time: 11 h 59 min
